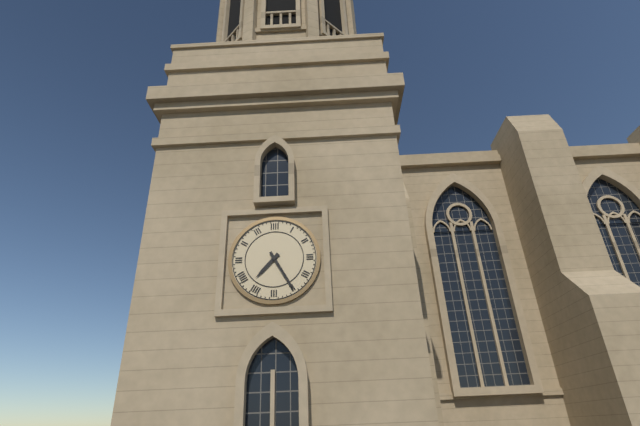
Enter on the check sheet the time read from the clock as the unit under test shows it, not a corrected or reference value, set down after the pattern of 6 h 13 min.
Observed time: 7 h 25 min
